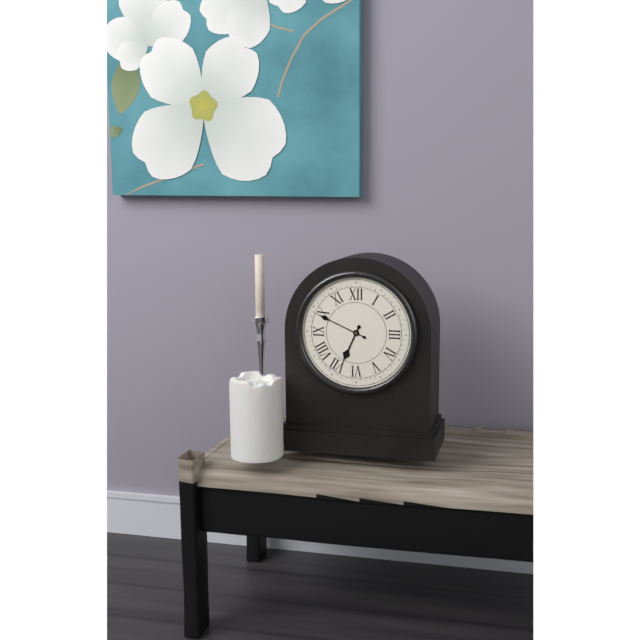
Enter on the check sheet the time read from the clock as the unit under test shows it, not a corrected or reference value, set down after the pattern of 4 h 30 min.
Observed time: 6 h 49 min
